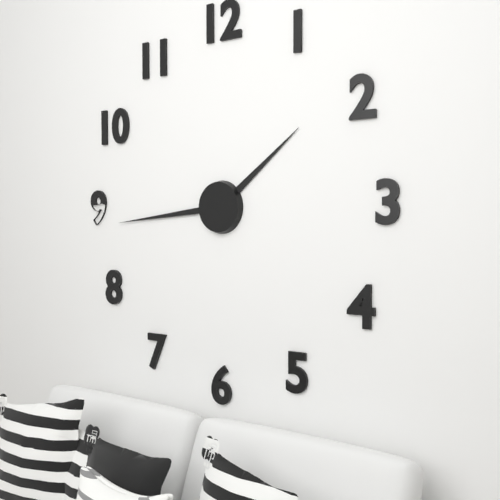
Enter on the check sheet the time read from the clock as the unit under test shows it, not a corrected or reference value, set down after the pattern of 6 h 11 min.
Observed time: 1 h 44 min
